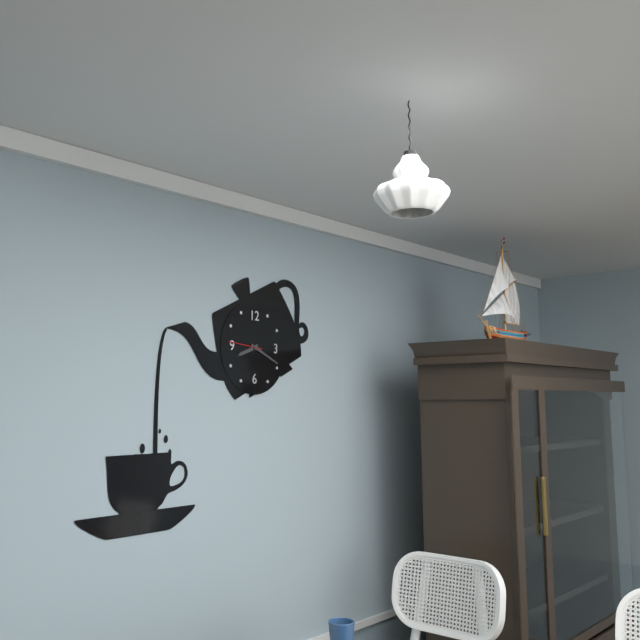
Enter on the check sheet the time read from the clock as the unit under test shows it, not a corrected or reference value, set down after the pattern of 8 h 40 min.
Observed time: 8 h 19 min
